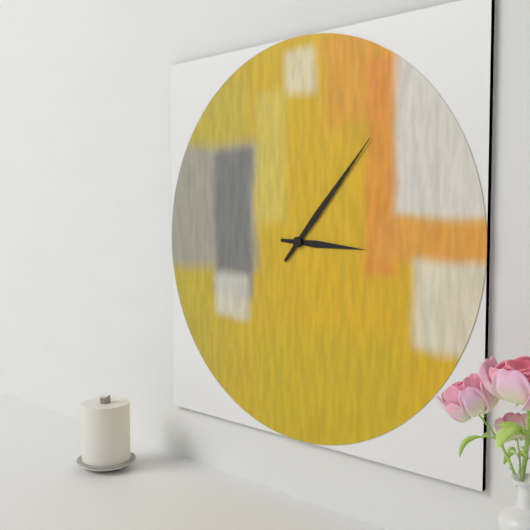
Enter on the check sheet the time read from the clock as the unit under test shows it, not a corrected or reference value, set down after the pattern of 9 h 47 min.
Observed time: 3 h 07 min
